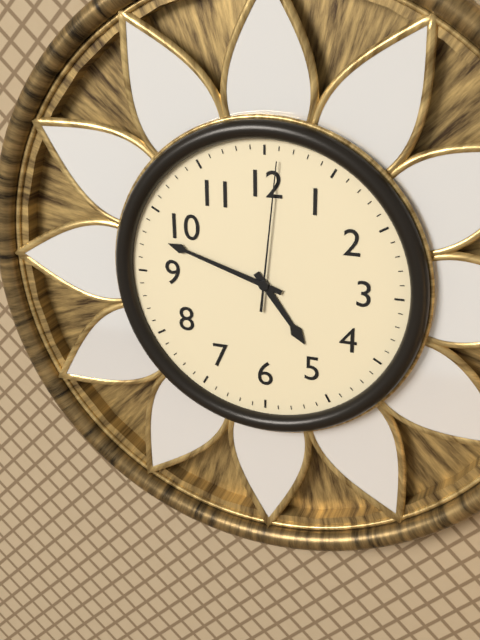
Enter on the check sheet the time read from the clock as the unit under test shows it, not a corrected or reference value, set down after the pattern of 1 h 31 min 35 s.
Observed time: 4 h 48 min 01 s
